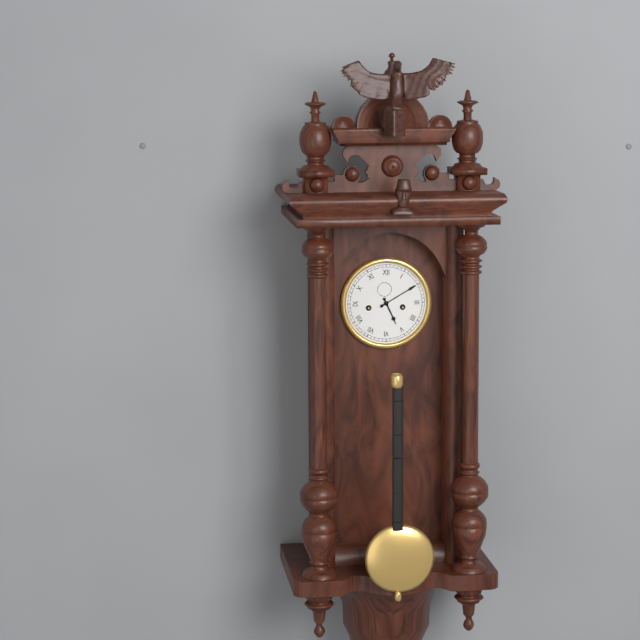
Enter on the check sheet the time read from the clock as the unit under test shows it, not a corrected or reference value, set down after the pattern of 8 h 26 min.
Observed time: 5 h 10 min
